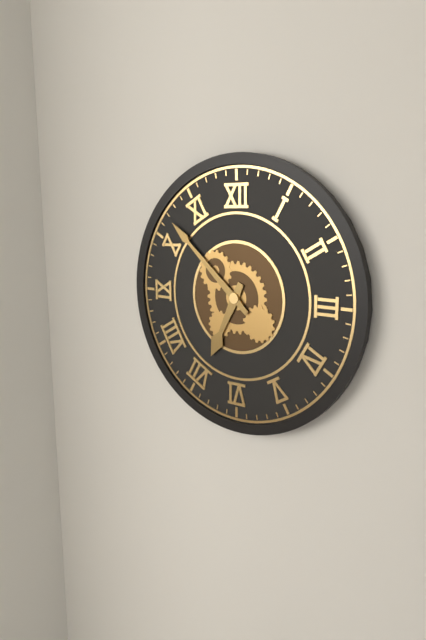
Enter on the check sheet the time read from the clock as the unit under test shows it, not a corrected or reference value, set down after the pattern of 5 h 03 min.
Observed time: 6 h 52 min
